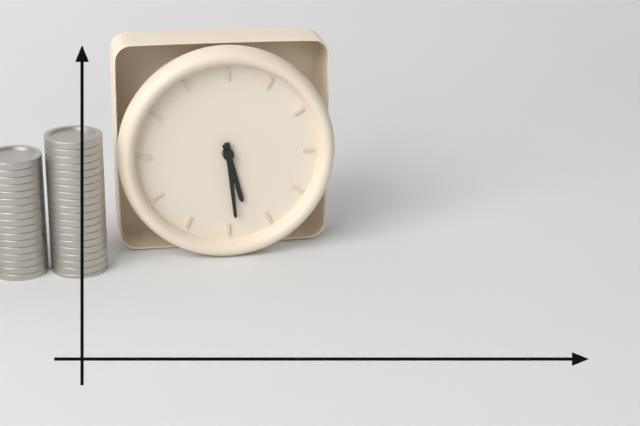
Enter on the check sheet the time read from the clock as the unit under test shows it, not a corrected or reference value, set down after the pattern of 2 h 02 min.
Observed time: 5 h 29 min
